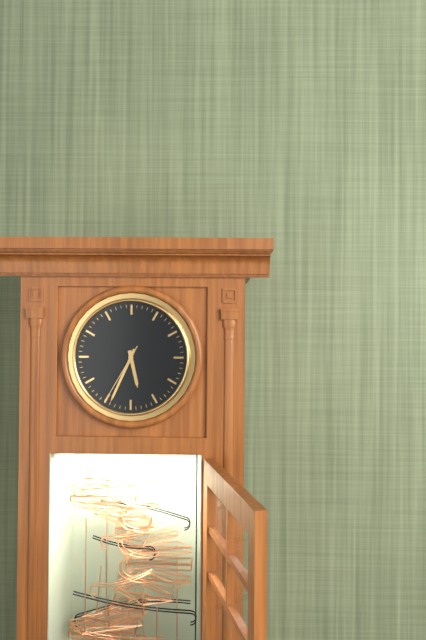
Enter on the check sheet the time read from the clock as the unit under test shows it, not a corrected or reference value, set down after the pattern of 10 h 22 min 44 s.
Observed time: 5 h 34 min 35 s
